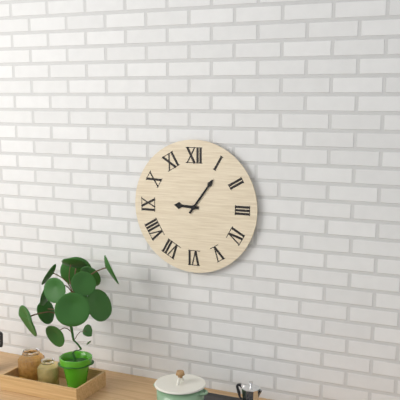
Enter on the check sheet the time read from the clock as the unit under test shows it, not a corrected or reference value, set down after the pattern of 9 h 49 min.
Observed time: 9 h 06 min
